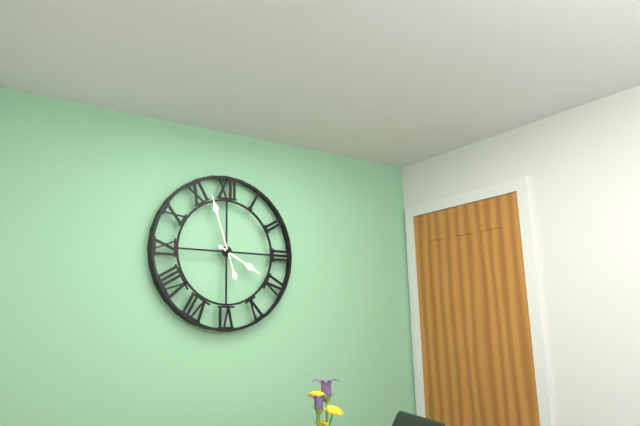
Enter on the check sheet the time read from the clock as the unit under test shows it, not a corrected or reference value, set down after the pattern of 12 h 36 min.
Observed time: 3 h 57 min
